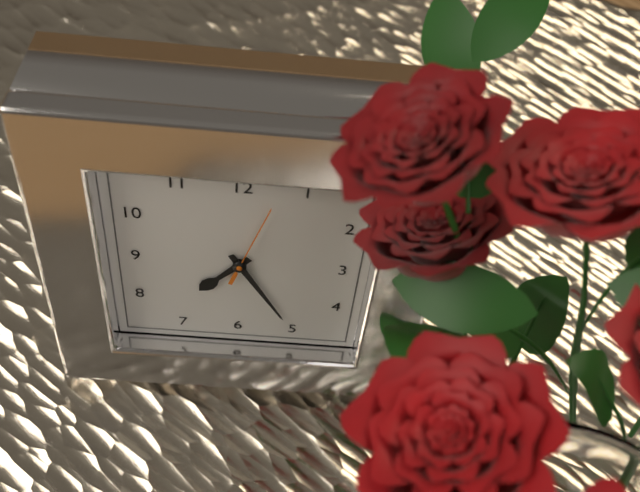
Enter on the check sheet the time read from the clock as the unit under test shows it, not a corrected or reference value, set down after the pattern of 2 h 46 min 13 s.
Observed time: 7 h 25 min 03 s
